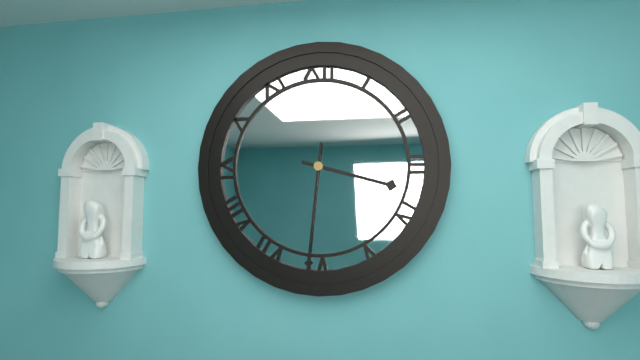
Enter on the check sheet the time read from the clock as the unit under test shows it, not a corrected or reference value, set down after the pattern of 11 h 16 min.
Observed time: 3 h 31 min
